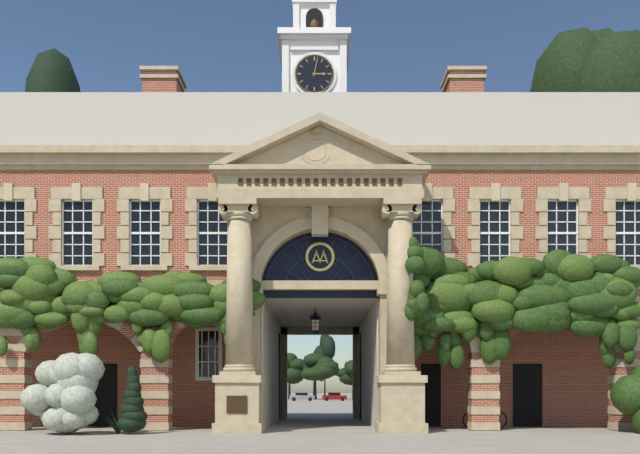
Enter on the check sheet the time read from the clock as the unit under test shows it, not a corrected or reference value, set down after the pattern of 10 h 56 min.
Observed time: 3 h 02 min
